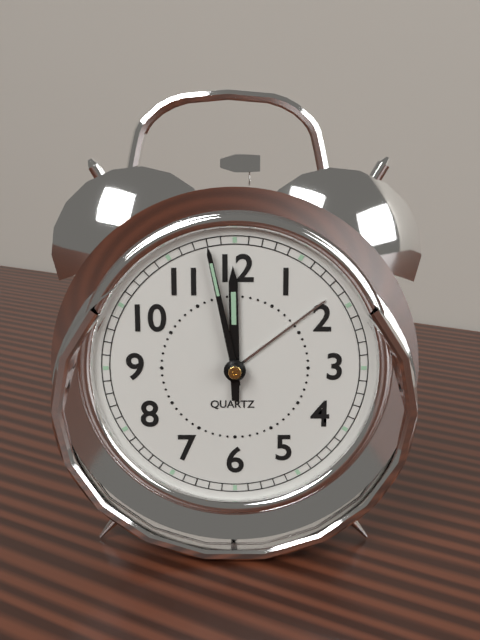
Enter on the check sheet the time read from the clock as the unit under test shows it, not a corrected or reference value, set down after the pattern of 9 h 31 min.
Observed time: 11 h 58 min
